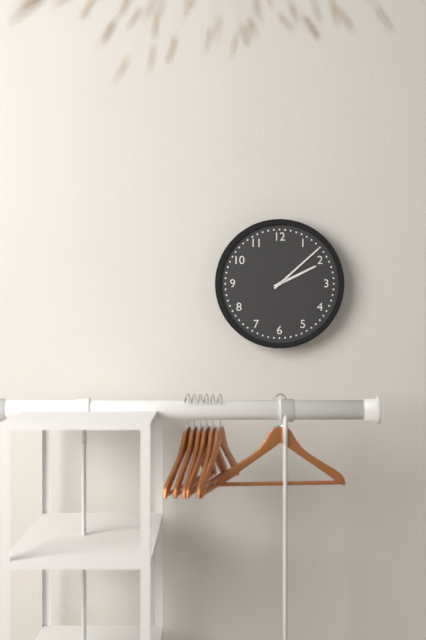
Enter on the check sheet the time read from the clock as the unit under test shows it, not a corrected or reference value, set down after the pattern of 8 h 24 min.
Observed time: 2 h 08 min
